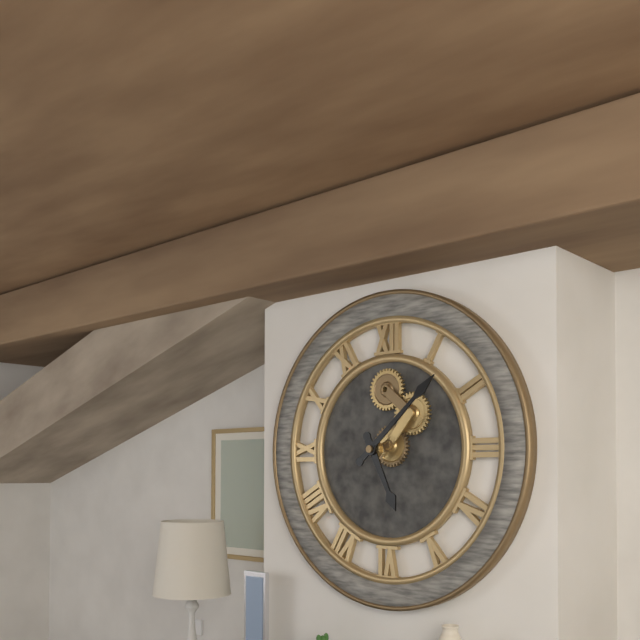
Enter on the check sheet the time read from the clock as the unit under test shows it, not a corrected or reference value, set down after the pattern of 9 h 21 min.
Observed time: 5 h 08 min
